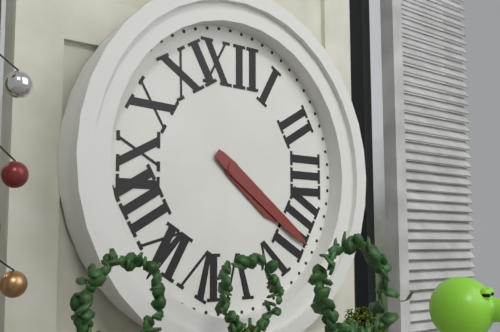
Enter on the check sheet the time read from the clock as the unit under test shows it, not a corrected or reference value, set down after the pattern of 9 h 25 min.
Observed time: 4 h 21 min
